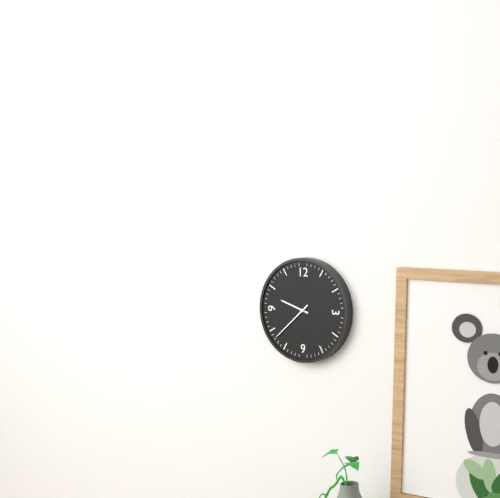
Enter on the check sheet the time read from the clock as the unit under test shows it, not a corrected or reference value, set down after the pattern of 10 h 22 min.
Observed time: 9 h 38 min
